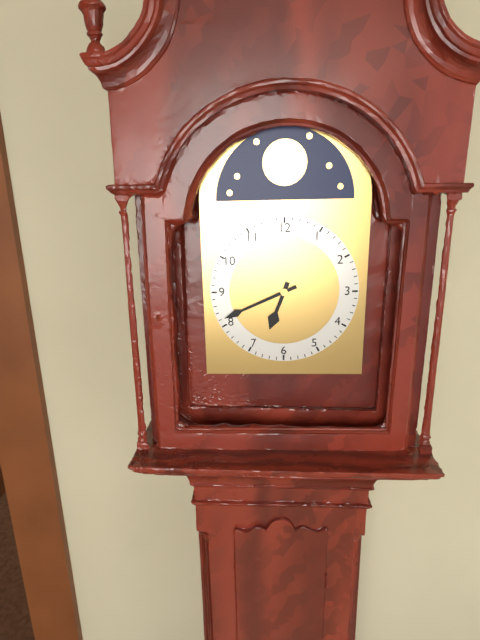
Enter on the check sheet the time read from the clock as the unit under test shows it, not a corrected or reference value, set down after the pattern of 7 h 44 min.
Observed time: 6 h 41 min
